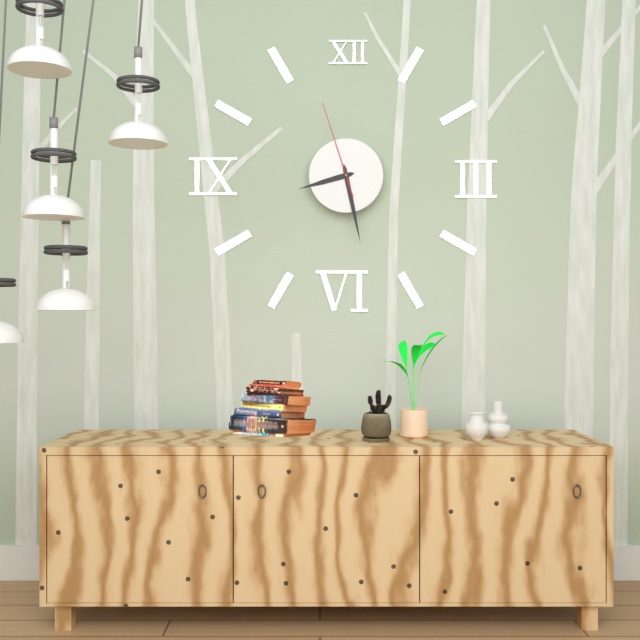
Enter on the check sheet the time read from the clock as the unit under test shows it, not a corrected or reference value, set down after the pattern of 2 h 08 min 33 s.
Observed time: 8 h 28 min 57 s
